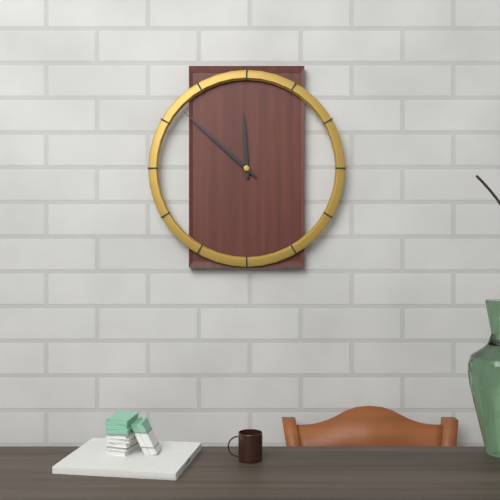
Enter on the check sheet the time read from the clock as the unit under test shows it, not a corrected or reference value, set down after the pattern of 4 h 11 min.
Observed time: 11 h 52 min
